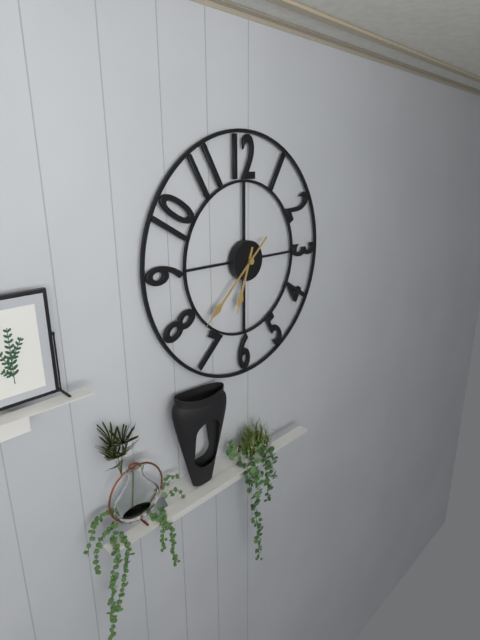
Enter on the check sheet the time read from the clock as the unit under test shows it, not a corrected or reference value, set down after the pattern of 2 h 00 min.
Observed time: 6 h 38 min
